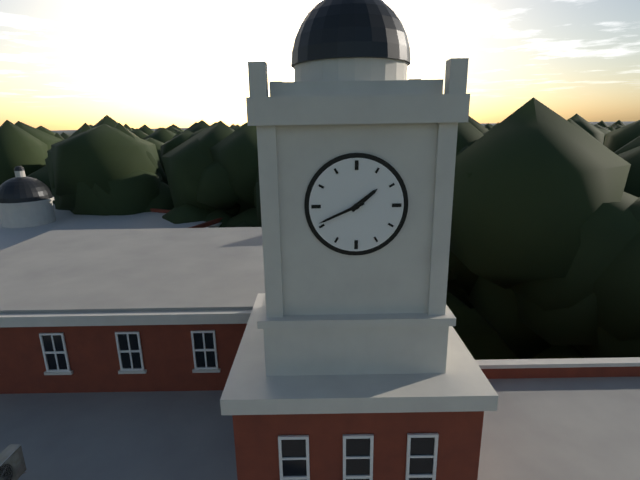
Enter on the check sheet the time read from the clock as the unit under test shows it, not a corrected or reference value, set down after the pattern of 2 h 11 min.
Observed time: 1 h 41 min
